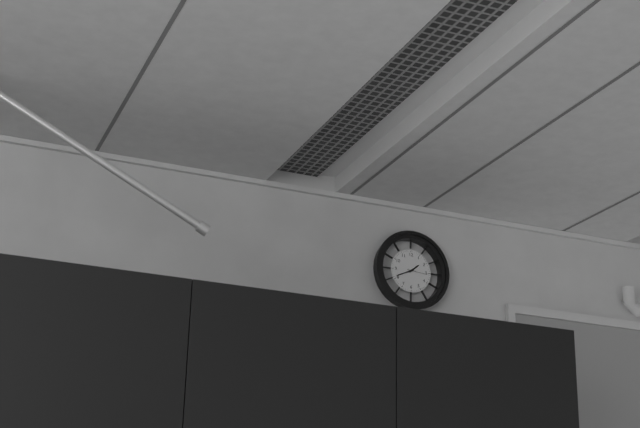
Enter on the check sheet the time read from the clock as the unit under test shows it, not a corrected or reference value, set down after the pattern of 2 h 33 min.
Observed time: 1 h 41 min
